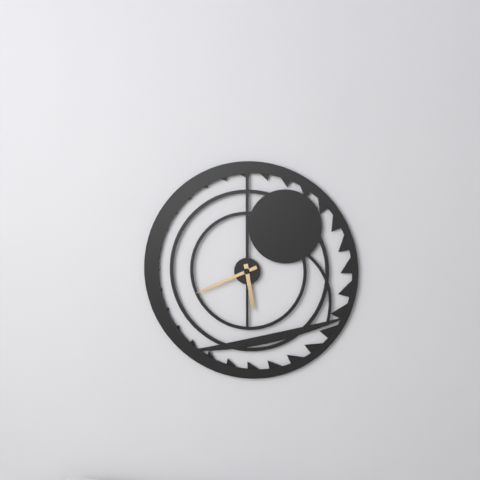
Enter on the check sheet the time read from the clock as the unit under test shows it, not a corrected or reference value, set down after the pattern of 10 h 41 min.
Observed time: 5 h 41 min
